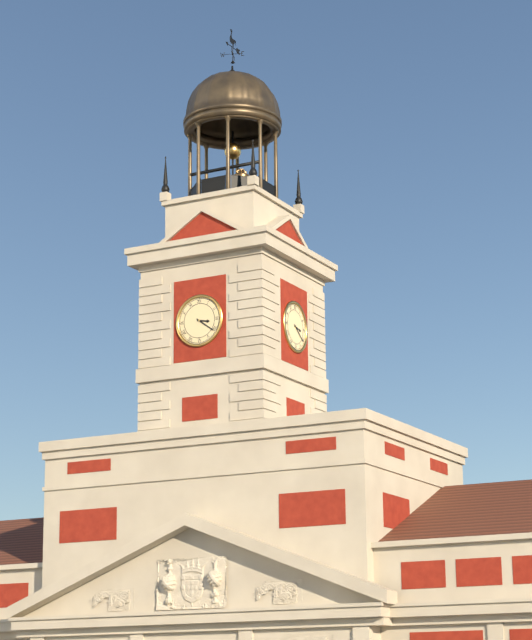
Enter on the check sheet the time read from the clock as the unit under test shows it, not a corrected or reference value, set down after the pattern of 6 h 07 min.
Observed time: 3 h 21 min
